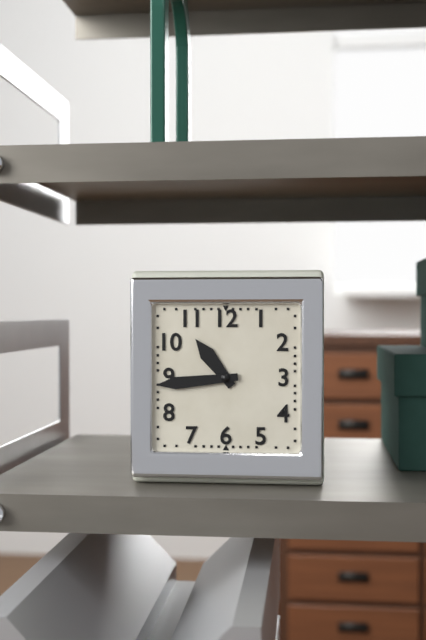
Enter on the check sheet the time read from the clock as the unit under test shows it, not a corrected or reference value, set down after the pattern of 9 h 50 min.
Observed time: 10 h 44 min
